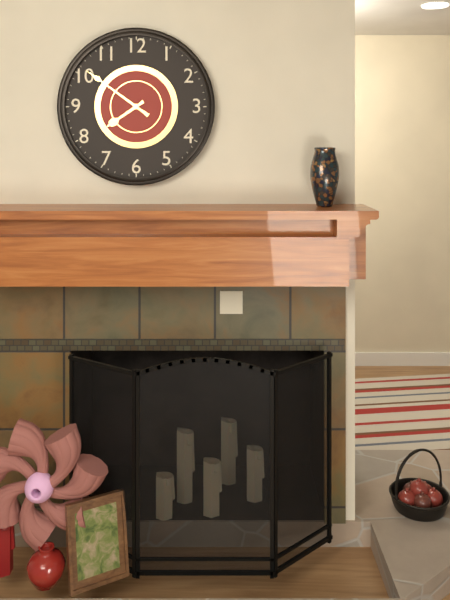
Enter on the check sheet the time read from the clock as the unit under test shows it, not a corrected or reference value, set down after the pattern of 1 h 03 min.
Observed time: 7 h 51 min
